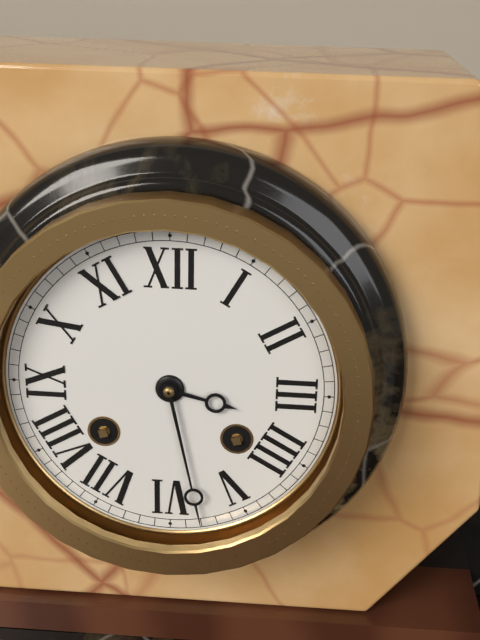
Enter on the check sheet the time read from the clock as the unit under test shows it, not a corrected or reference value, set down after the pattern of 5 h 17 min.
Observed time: 3 h 28 min
